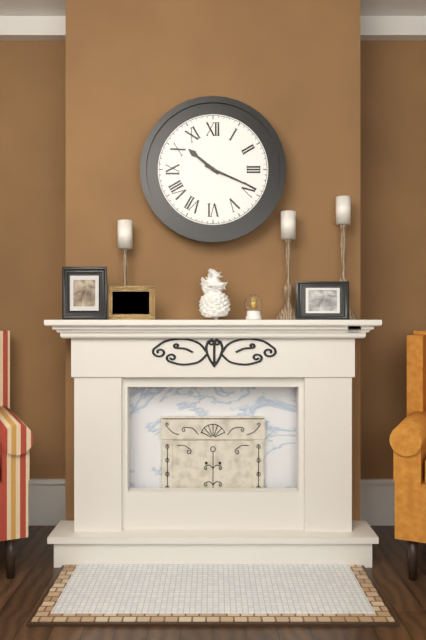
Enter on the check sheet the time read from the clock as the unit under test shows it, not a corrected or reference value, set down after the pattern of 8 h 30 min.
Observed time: 10 h 19 min
